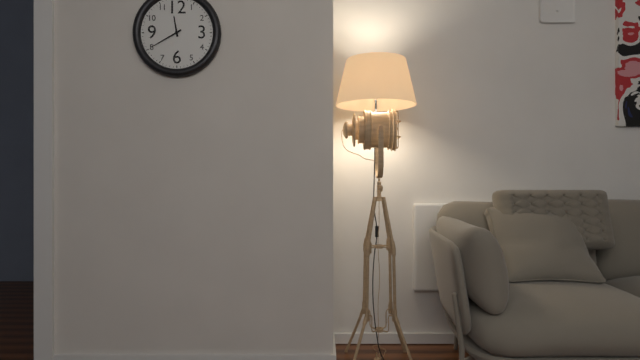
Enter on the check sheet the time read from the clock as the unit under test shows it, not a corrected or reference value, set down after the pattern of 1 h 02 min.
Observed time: 11 h 40 min
